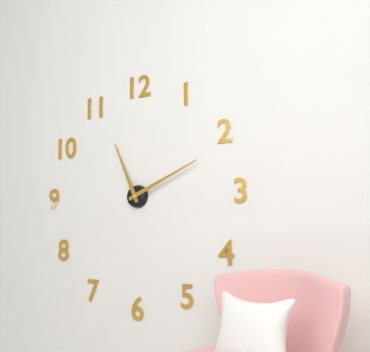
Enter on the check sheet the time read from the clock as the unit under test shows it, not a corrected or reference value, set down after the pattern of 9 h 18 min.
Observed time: 11 h 11 min
